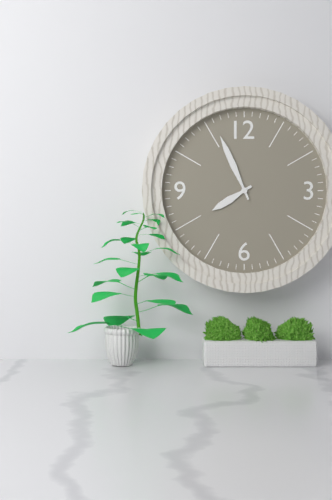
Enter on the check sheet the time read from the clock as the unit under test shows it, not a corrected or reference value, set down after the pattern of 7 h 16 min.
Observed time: 7 h 56 min
